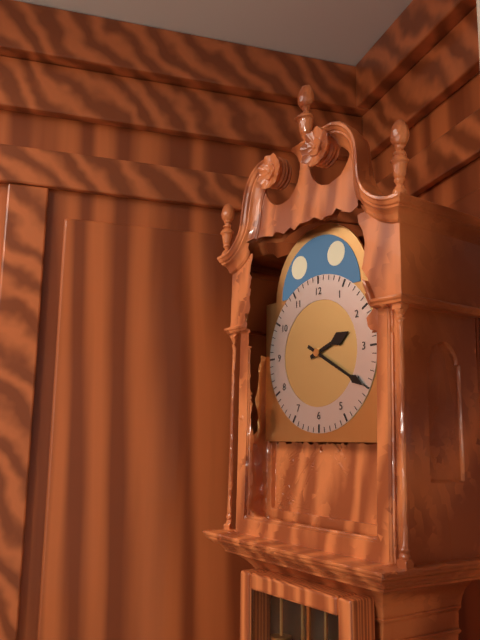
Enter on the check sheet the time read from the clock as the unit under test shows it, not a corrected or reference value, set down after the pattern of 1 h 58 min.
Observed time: 2 h 20 min
